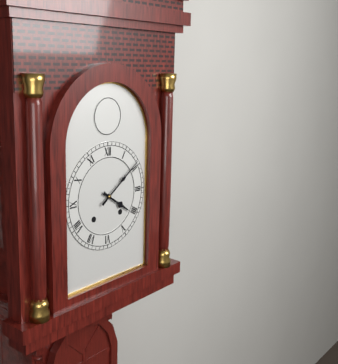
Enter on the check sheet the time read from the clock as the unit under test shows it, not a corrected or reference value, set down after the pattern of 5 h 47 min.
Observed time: 4 h 09 min
